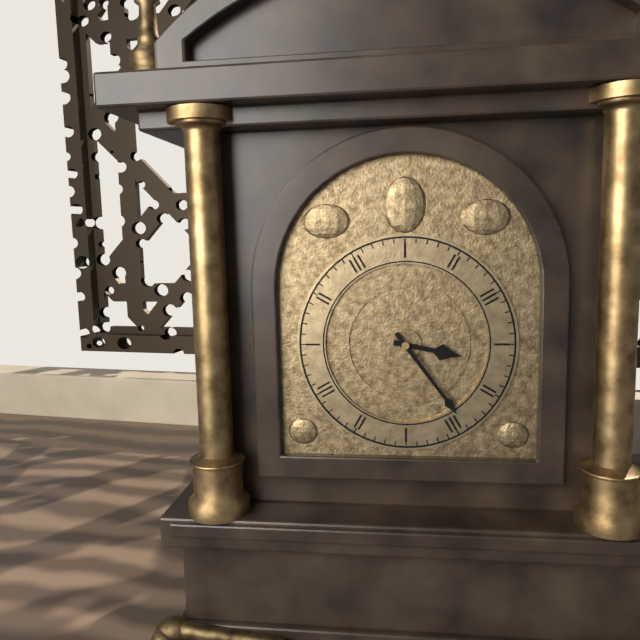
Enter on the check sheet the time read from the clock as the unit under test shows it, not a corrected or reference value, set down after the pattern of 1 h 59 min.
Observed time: 3 h 24 min
